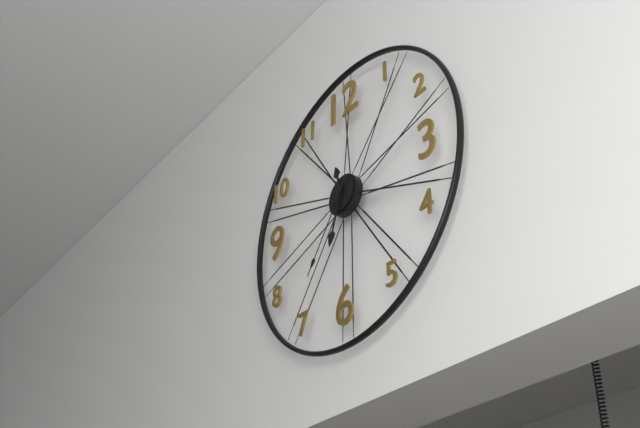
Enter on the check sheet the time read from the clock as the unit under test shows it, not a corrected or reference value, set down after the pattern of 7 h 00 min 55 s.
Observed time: 11 h 33 min 36 s
